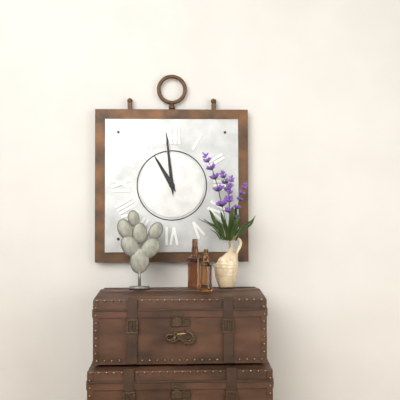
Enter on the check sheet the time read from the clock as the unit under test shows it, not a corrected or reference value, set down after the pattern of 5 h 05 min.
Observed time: 10 h 59 min
